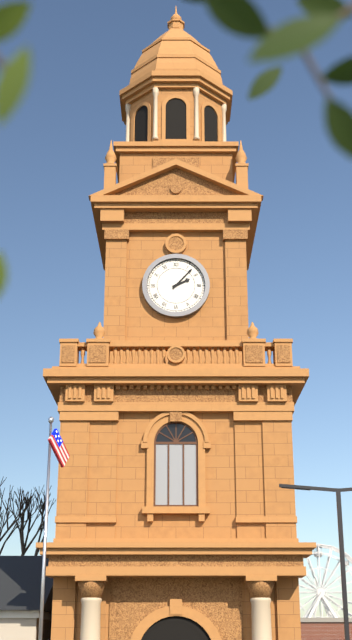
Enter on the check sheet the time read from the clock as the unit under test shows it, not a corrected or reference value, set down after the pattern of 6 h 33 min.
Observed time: 2 h 07 min
